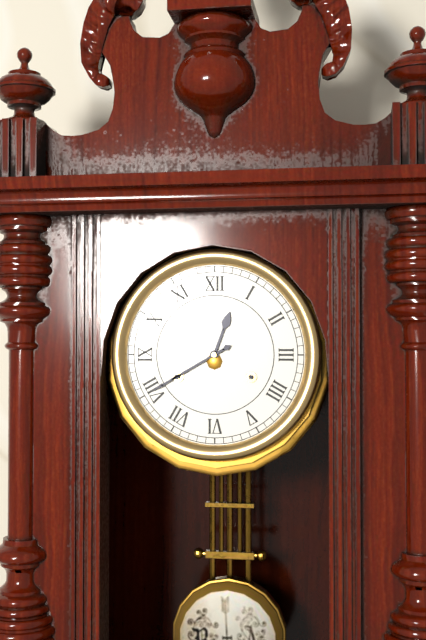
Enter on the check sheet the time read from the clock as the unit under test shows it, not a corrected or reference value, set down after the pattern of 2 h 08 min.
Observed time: 12 h 40 min
